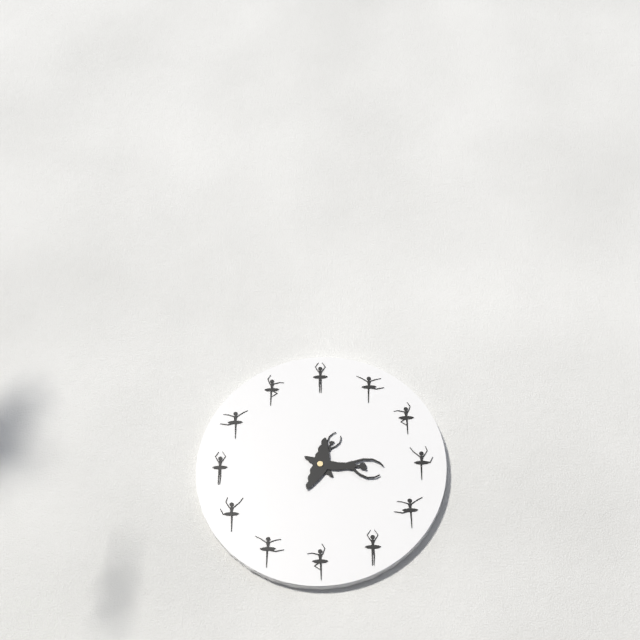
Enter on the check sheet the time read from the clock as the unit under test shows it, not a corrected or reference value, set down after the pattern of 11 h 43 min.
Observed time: 1 h 18 min
